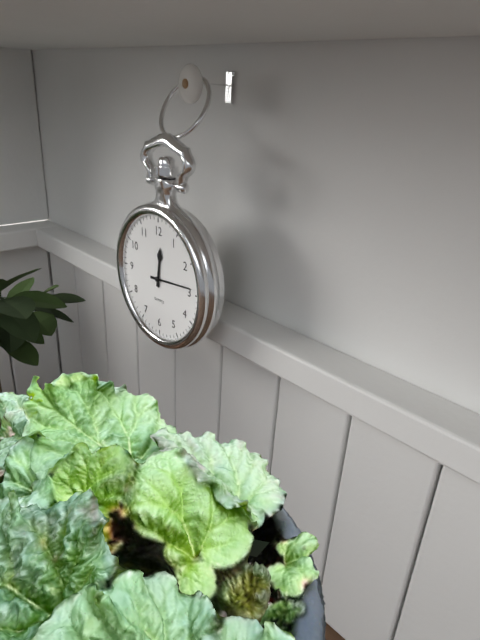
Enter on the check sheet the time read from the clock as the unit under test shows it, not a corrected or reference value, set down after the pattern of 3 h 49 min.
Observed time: 12 h 14 min
